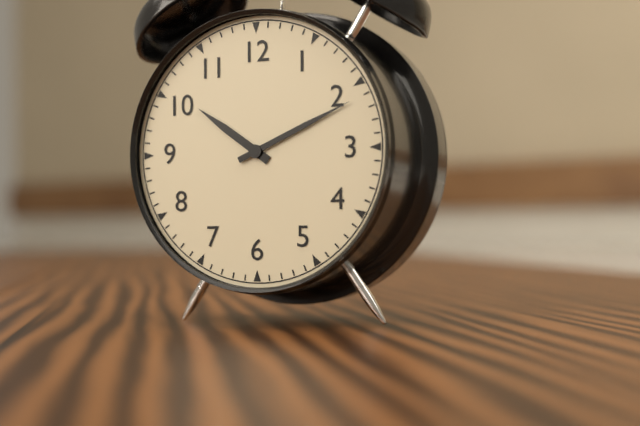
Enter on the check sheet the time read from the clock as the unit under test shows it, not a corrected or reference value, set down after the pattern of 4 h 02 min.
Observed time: 10 h 11 min
